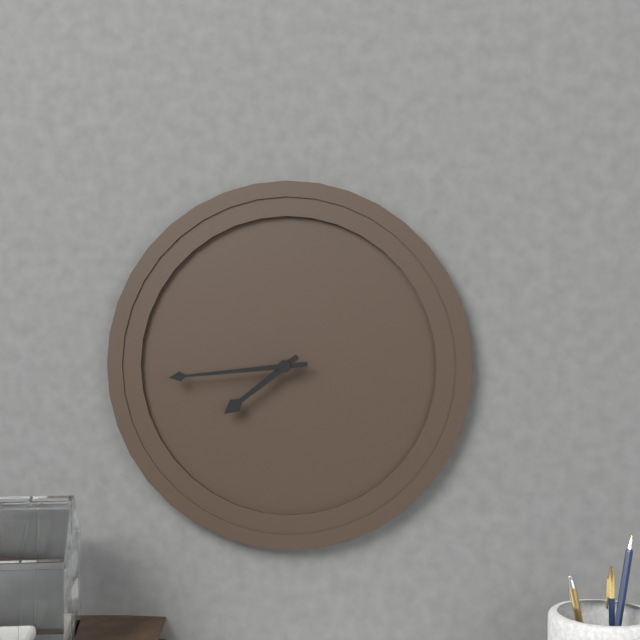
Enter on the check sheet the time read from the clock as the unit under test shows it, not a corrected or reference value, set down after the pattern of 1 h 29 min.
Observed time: 7 h 44 min
